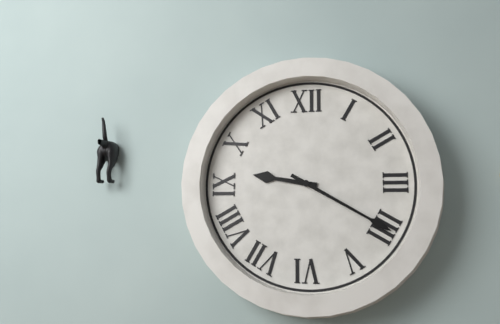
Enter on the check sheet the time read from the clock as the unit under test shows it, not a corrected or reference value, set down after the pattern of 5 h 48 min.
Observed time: 9 h 20 min
